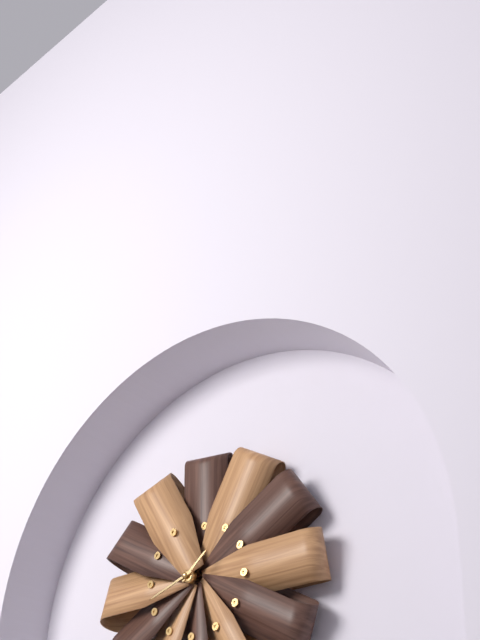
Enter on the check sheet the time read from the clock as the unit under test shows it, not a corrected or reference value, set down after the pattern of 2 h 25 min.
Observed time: 1 h 42 min
